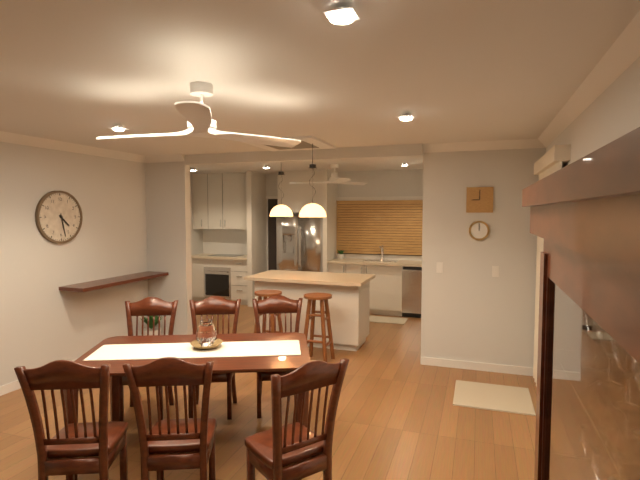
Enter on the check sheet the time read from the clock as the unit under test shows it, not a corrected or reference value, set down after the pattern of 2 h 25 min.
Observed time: 4 h 28 min
